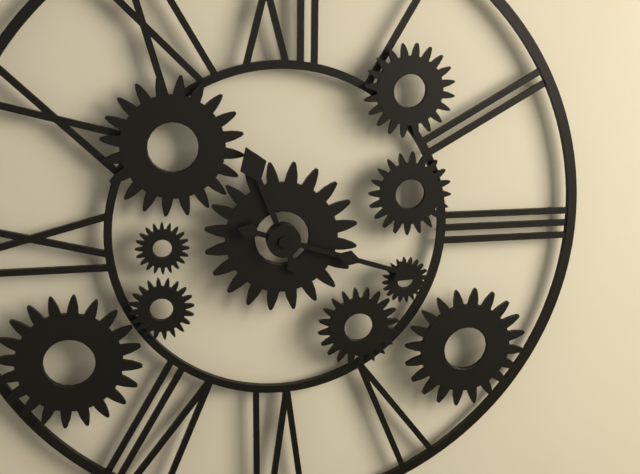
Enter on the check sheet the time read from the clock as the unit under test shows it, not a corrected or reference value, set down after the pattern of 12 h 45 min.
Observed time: 11 h 18 min
